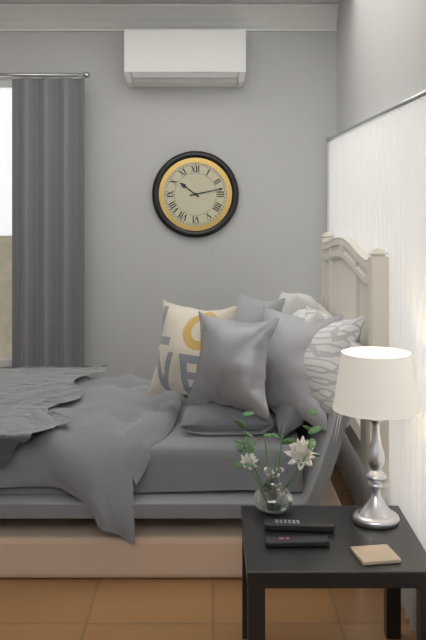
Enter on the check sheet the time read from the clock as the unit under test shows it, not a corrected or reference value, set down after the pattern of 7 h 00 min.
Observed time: 10 h 13 min
